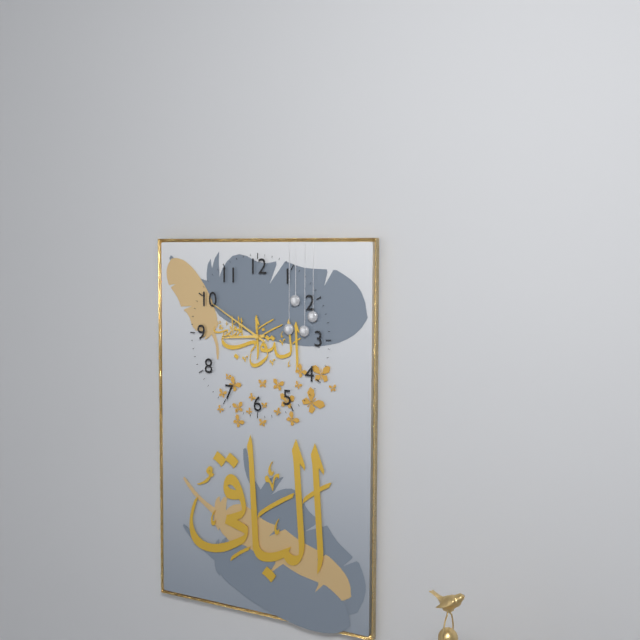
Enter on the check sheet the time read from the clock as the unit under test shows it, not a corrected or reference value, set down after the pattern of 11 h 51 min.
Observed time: 8 h 50 min
